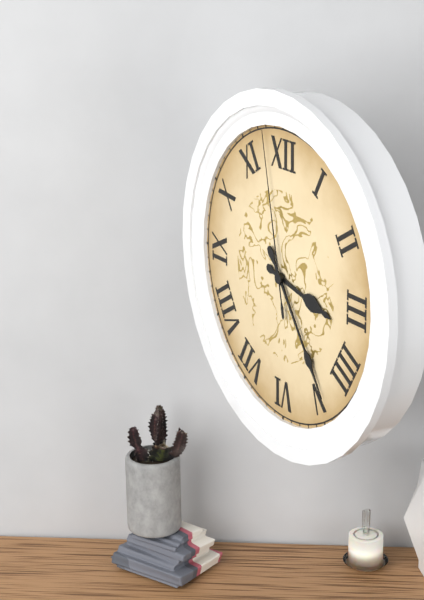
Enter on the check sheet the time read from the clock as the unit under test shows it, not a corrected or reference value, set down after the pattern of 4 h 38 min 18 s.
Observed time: 3 h 24 min 58 s
